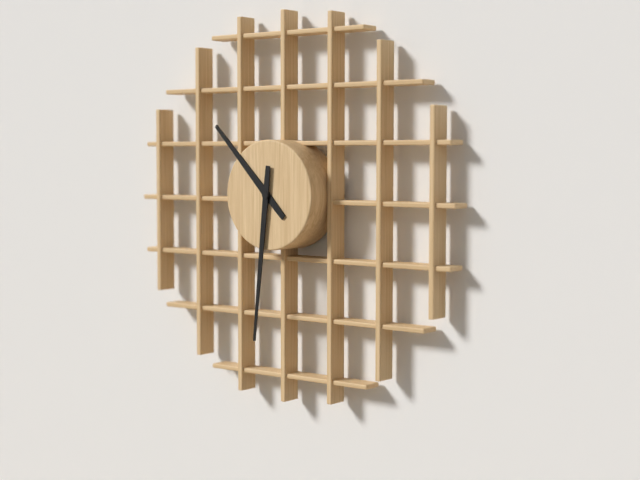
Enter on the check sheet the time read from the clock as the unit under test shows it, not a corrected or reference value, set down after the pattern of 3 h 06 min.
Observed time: 10 h 31 min
